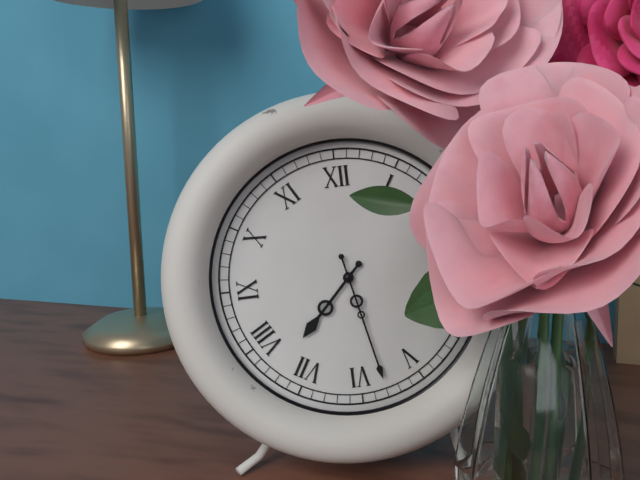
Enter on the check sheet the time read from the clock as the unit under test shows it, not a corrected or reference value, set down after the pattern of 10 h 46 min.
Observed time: 7 h 28 min
